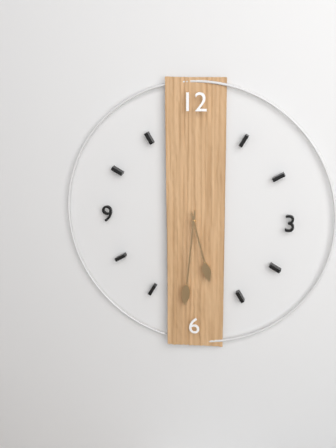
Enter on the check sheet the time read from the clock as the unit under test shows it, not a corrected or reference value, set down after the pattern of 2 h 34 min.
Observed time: 5 h 31 min
